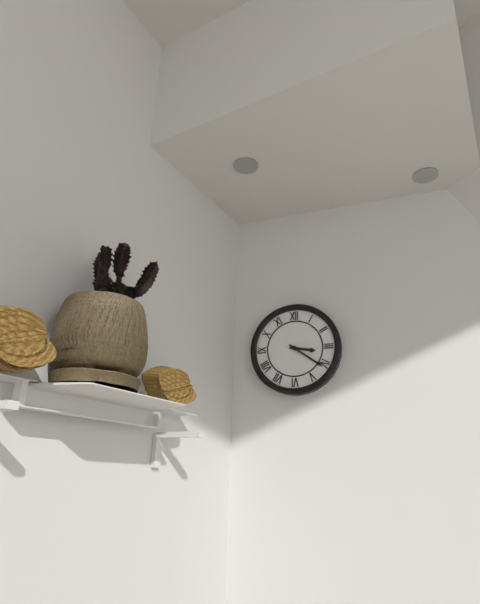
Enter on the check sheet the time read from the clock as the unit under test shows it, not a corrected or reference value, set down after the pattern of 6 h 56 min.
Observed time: 3 h 21 min
